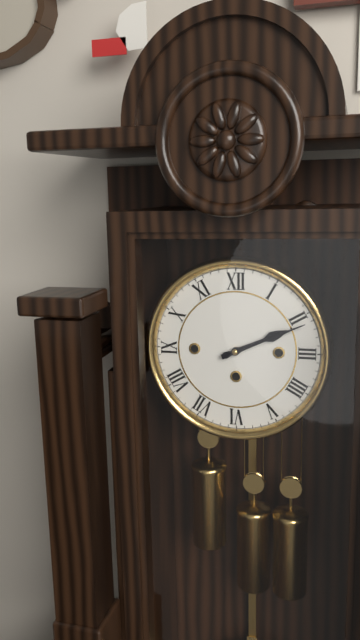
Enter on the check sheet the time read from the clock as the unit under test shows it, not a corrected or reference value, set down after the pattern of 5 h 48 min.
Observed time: 2 h 11 min
